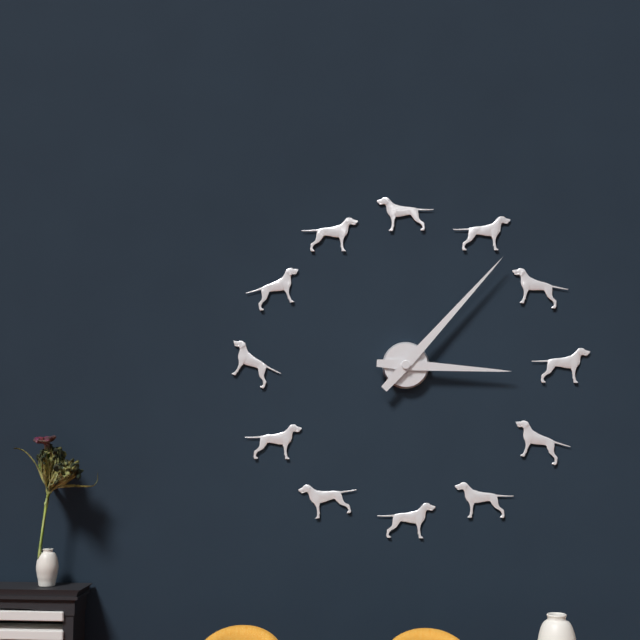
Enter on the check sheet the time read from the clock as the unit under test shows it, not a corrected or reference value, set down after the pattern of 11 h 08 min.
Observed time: 3 h 07 min
